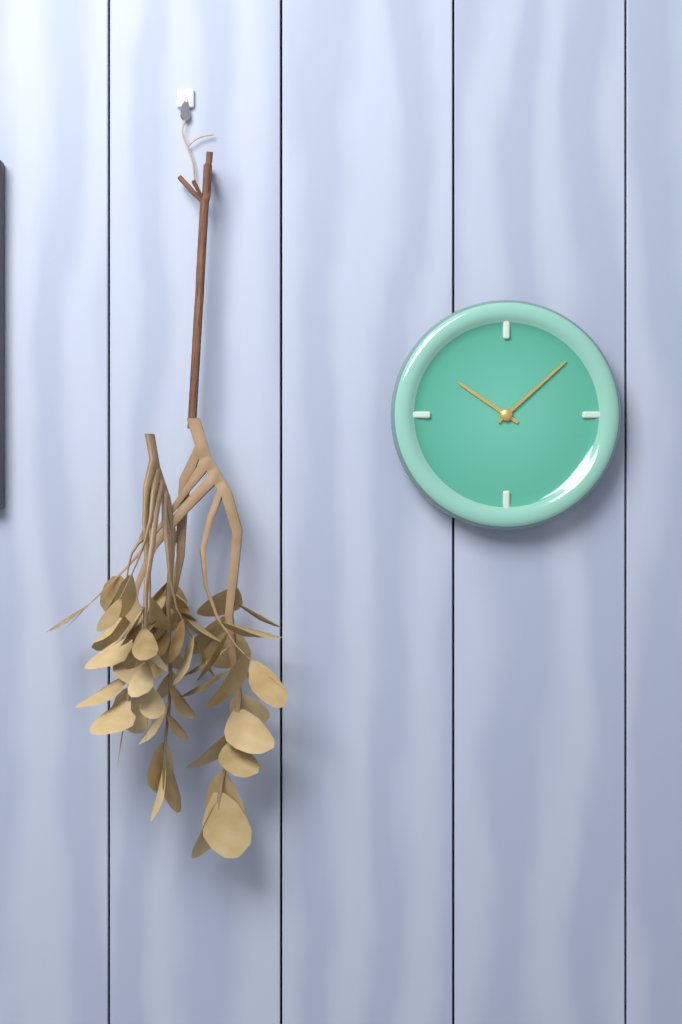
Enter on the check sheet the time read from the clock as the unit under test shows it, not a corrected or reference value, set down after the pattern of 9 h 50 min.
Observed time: 10 h 08 min
